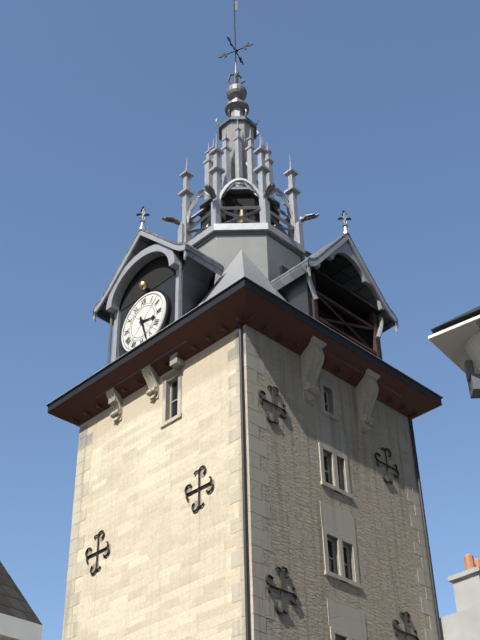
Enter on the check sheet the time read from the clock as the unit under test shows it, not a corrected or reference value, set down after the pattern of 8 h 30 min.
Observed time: 3 h 27 min
